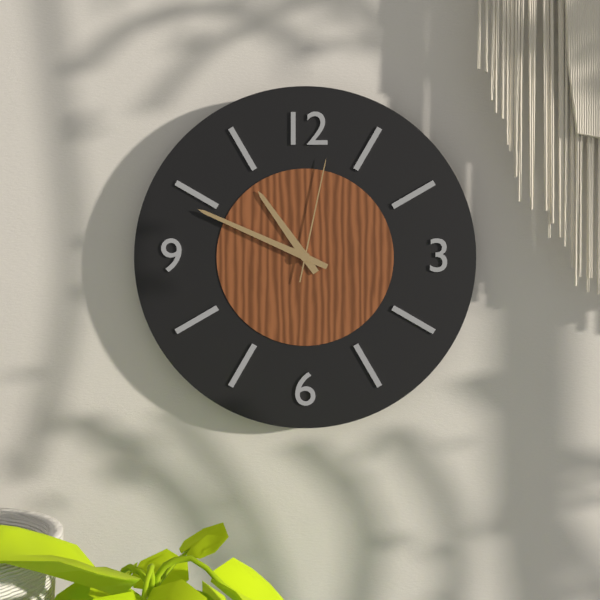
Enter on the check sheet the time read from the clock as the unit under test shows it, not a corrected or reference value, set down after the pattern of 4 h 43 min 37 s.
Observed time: 10 h 49 min 02 s
